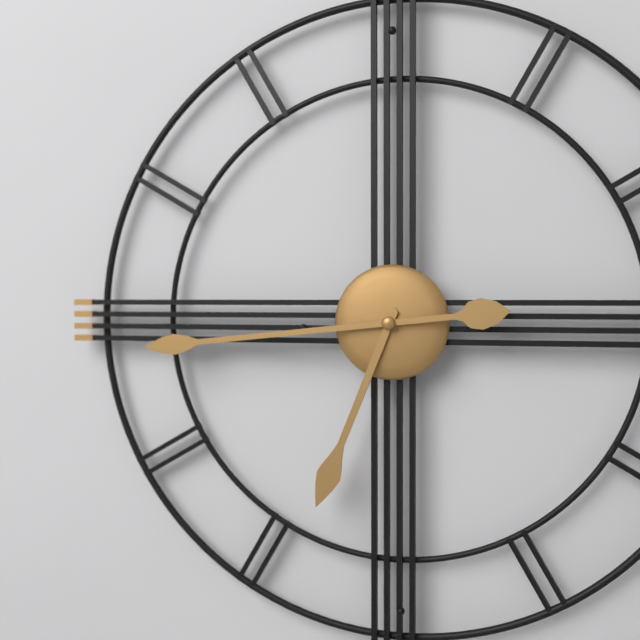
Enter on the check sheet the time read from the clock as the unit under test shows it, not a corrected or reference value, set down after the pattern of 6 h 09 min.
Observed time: 6 h 44 min
